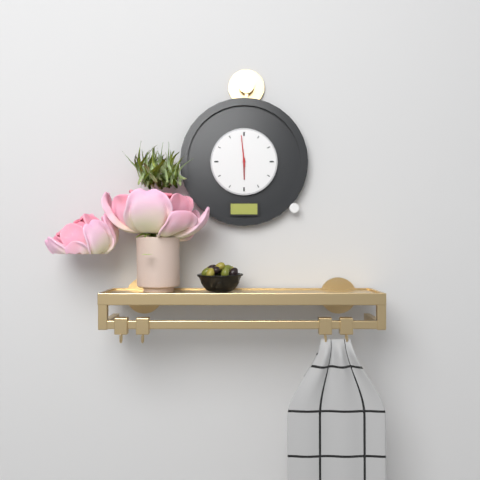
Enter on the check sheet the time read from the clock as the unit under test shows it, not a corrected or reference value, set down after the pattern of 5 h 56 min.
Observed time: 5 h 59 min
